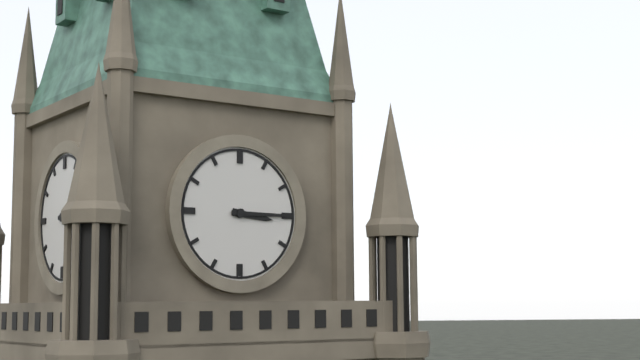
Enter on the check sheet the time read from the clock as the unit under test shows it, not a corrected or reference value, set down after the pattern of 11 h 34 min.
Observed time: 3 h 15 min
